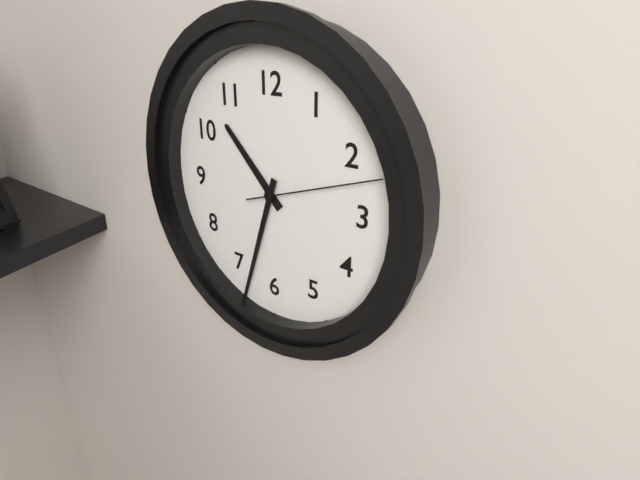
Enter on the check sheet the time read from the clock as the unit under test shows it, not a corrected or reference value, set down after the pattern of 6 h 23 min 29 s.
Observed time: 10 h 33 min 12 s
